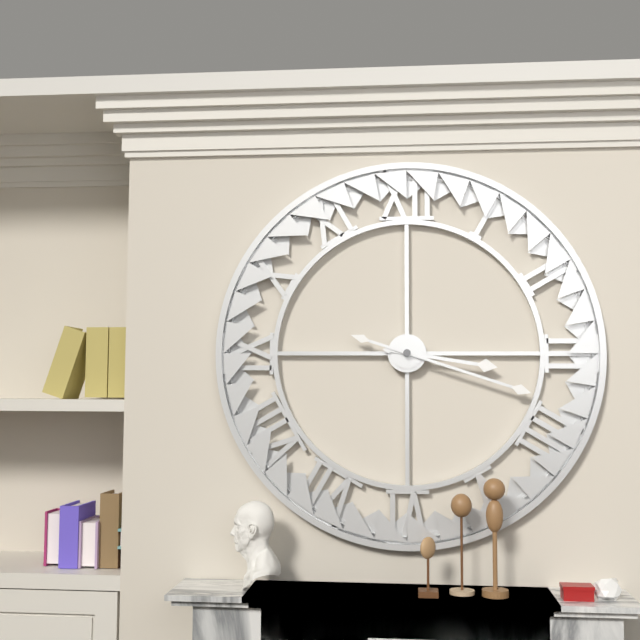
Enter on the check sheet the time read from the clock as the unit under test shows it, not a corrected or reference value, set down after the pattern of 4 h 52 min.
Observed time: 3 h 18 min
